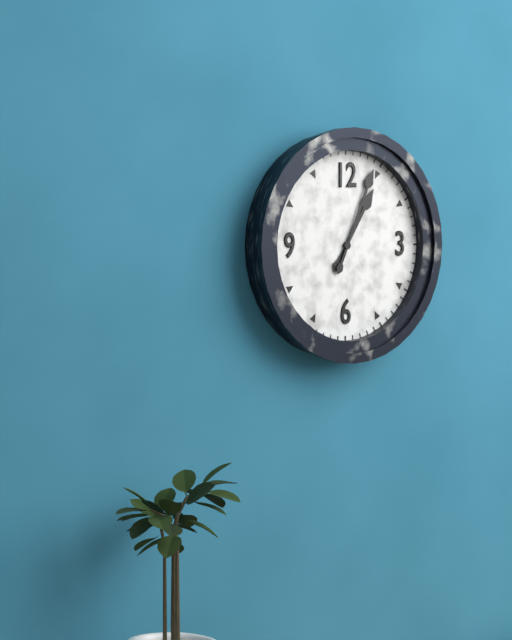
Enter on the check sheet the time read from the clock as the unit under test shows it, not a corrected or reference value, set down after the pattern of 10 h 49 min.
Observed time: 1 h 04 min
